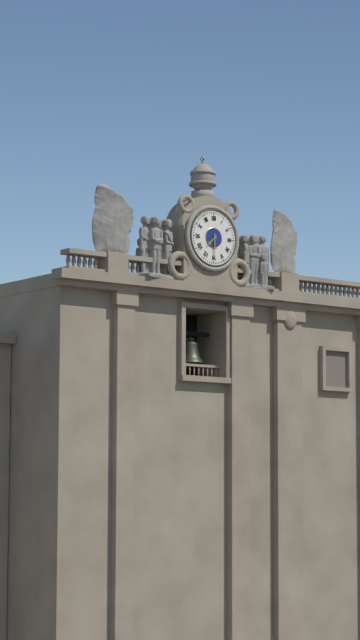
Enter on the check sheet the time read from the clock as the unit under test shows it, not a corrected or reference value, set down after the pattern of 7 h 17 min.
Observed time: 7 h 30 min
